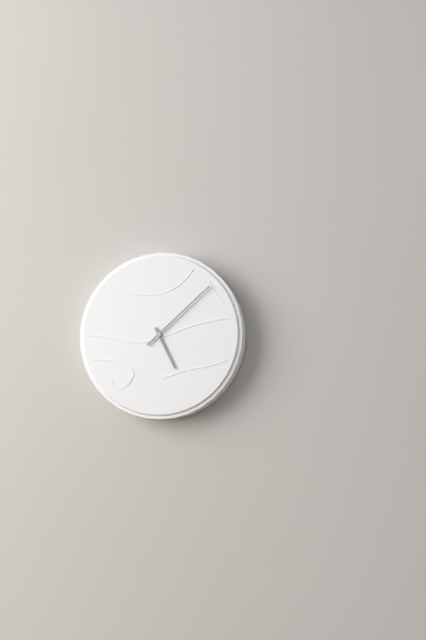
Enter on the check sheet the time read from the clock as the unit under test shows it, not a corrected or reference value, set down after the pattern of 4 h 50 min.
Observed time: 5 h 08 min
